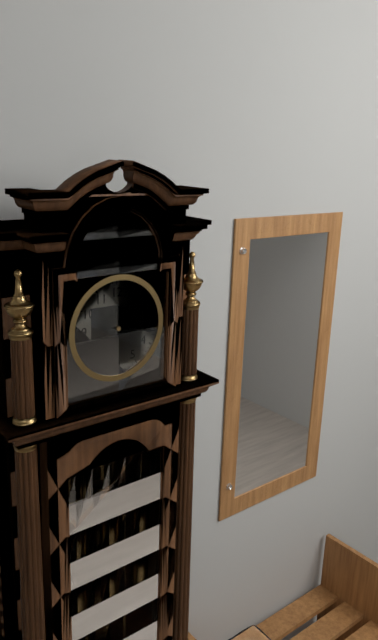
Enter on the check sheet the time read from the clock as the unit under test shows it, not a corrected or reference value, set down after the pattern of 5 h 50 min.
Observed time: 2 h 17 min
